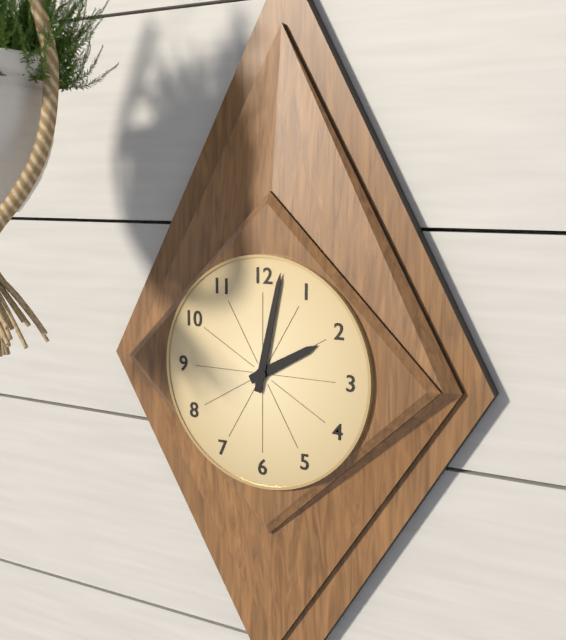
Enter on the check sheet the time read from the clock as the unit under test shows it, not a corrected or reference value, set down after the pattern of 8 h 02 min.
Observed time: 2 h 02 min
